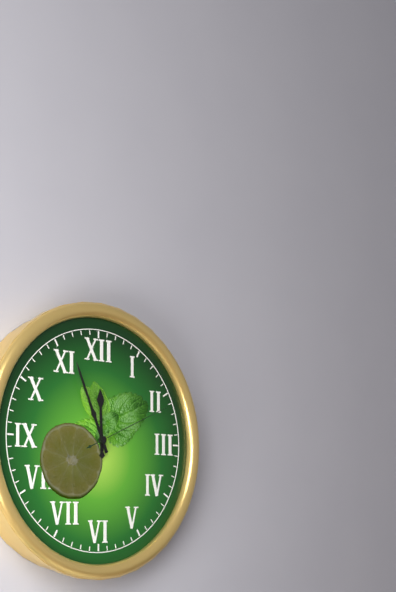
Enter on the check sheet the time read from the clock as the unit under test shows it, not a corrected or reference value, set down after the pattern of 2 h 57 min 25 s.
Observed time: 11 h 56 min 11 s
